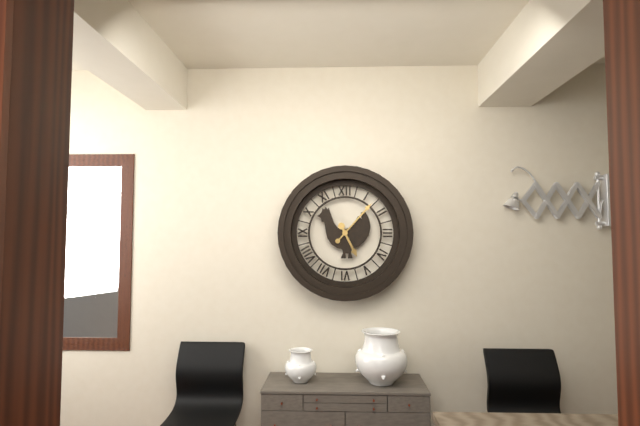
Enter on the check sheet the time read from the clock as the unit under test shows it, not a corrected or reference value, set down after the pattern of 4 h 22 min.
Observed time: 5 h 07 min
